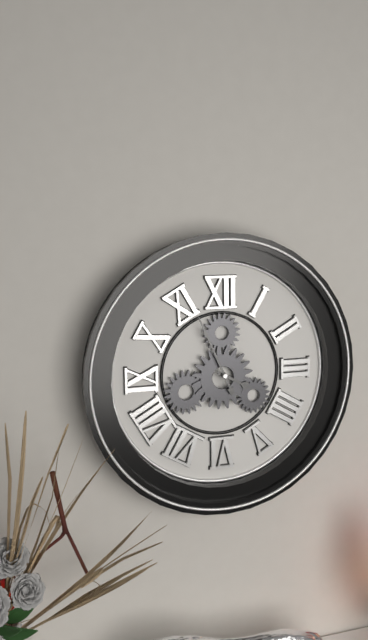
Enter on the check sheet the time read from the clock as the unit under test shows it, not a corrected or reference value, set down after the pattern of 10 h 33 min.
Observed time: 3 h 56 min
